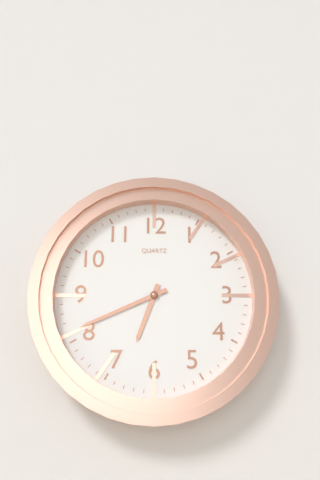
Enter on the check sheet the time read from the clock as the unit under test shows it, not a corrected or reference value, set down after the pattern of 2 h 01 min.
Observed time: 6 h 41 min
